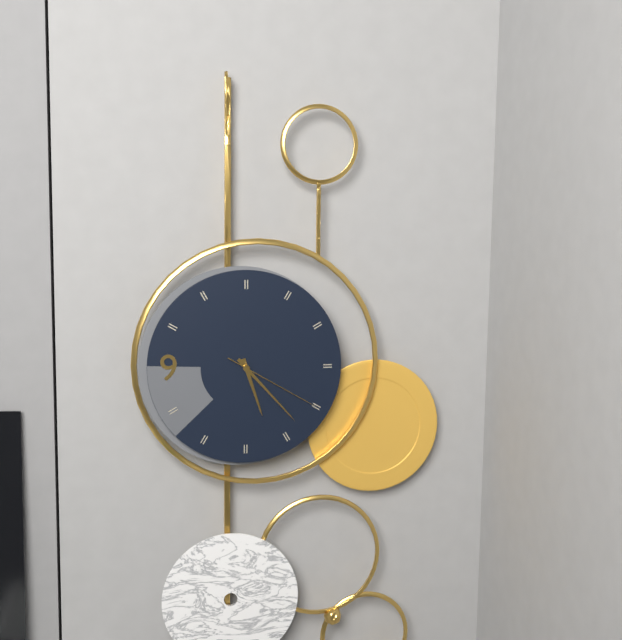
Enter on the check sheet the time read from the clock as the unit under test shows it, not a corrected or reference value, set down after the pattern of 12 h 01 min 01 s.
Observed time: 5 h 23 min 20 s
